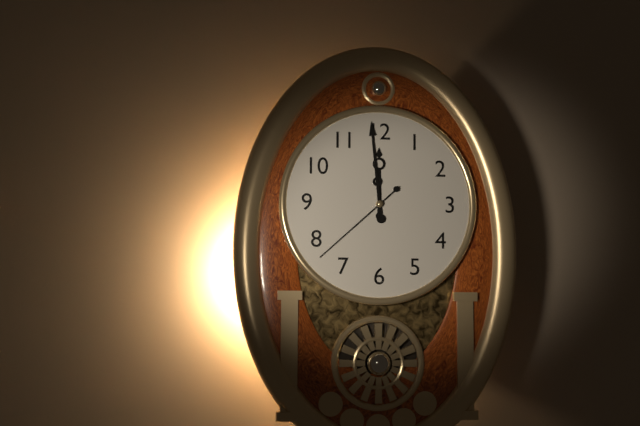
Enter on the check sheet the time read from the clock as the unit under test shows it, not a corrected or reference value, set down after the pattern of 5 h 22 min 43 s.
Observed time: 11 h 59 min 38 s
